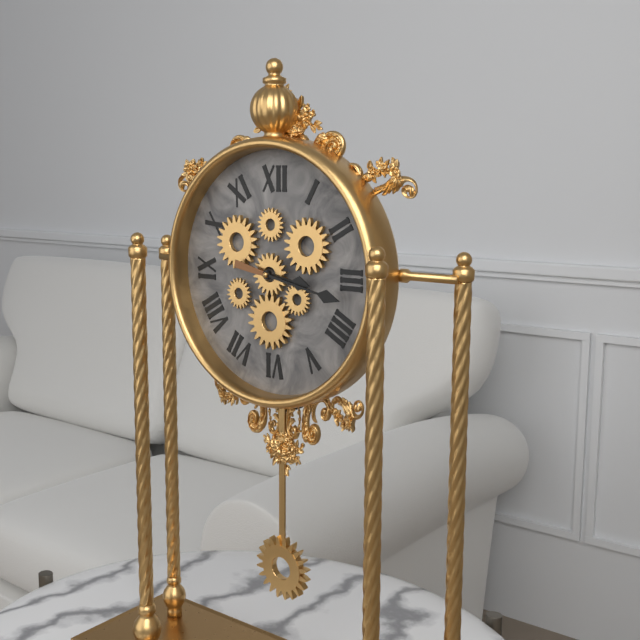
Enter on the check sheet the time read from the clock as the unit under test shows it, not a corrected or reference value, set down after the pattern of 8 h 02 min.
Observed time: 3 h 17 min
